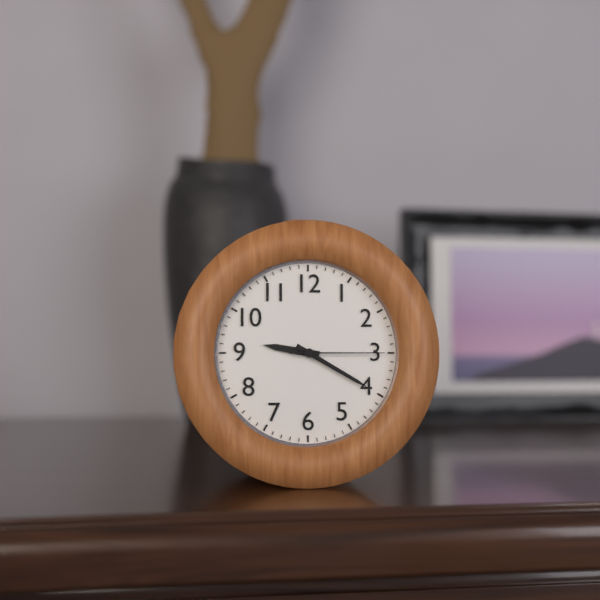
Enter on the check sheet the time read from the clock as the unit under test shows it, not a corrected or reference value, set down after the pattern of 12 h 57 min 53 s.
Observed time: 9 h 20 min 15 s
